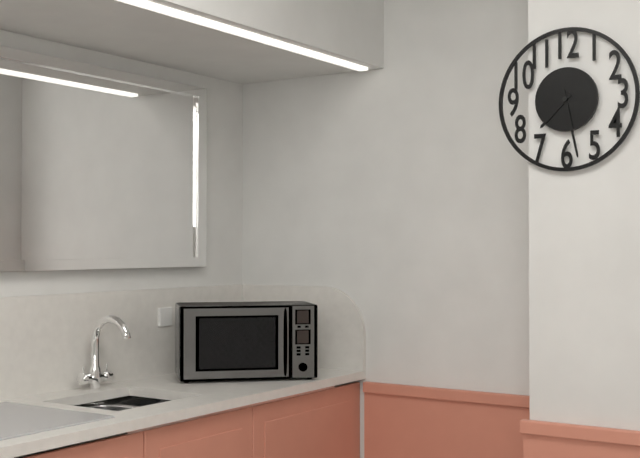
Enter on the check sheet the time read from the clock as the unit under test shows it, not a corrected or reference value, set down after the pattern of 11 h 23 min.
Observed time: 7 h 28 min
